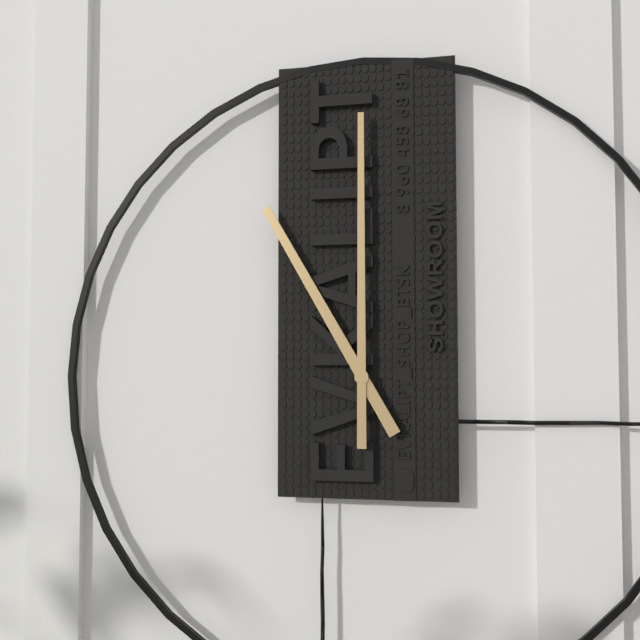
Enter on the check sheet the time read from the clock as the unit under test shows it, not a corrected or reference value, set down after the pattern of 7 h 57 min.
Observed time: 11 h 00 min
